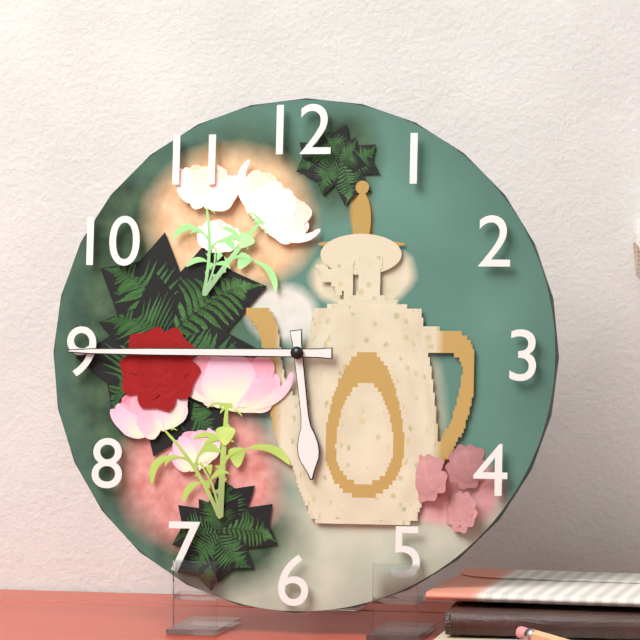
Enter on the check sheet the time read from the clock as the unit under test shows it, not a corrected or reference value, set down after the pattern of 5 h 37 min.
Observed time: 5 h 45 min
